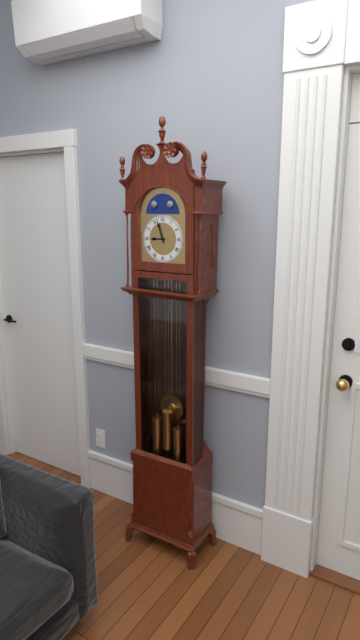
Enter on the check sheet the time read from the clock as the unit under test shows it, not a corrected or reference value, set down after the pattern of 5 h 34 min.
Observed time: 8 h 57 min
